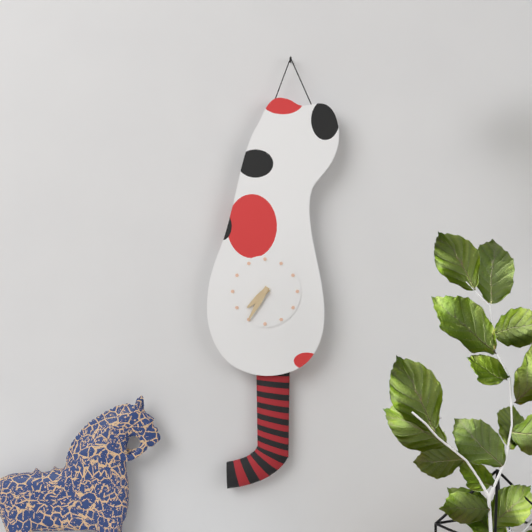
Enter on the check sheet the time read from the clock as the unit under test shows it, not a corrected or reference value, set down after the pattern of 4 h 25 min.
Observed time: 7 h 35 min
